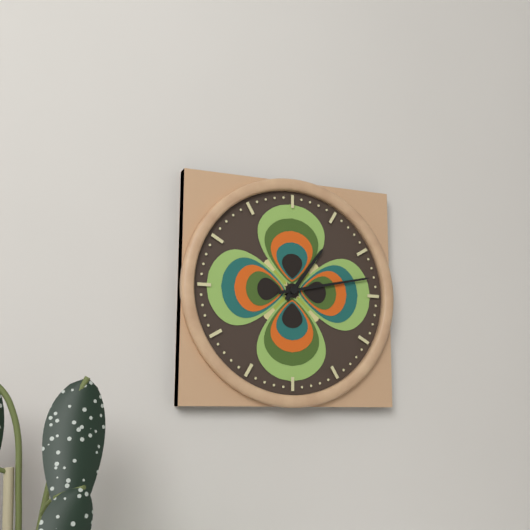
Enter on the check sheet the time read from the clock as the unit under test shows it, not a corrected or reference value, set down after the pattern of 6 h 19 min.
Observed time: 1 h 13 min
